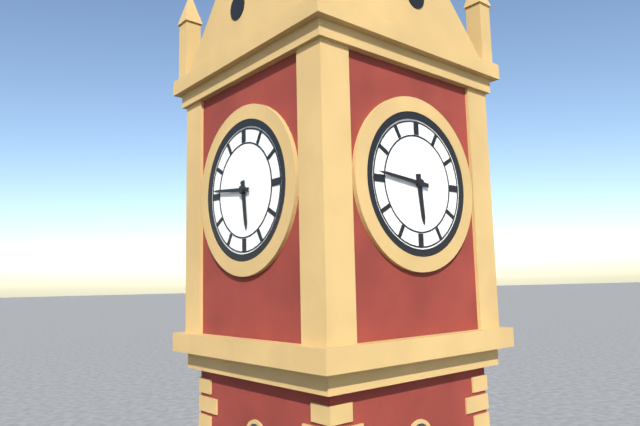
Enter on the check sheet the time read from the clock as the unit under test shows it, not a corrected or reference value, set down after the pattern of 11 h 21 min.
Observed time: 5 h 46 min
